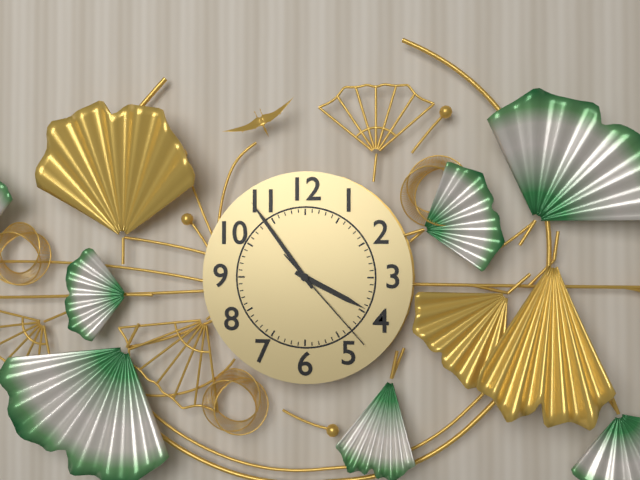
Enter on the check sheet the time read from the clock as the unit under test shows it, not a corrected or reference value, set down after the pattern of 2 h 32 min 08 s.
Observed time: 3 h 54 min 23 s
